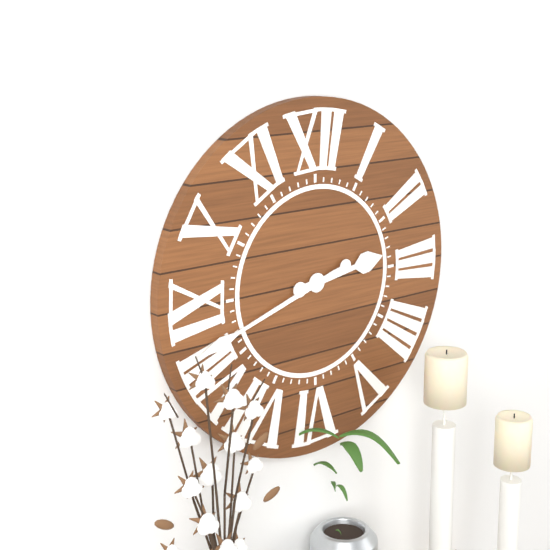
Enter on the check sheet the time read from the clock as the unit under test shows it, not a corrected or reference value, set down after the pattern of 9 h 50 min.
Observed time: 2 h 42 min
